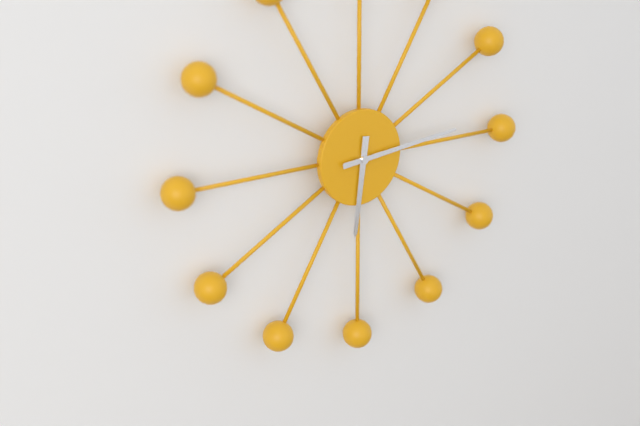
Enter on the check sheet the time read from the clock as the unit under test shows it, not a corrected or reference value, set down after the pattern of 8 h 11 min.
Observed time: 6 h 14 min
